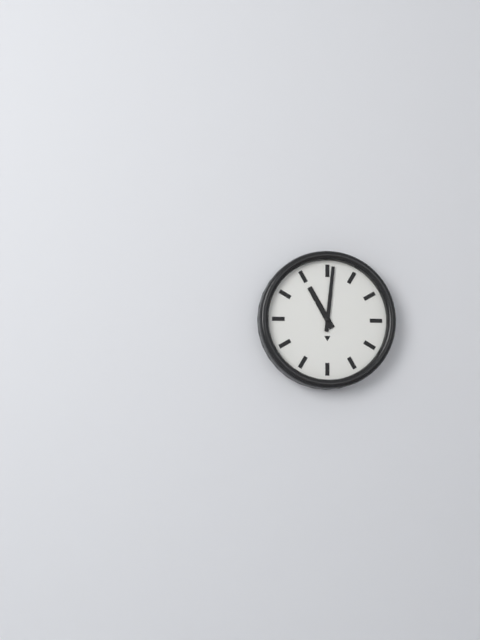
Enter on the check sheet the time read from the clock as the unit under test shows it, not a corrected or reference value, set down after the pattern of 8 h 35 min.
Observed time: 11 h 01 min
